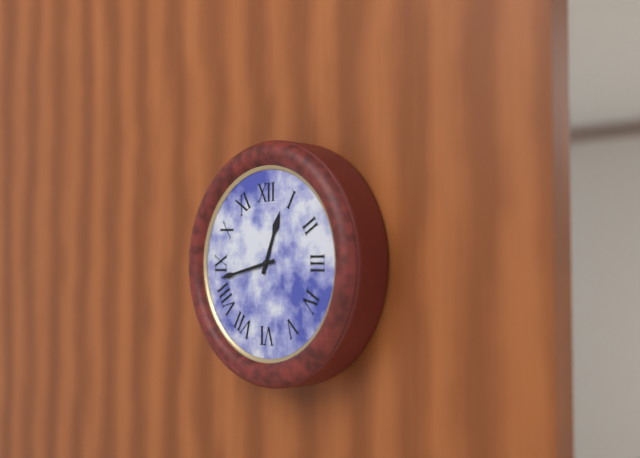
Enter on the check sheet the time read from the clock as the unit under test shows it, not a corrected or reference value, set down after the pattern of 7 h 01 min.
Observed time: 12 h 43 min
